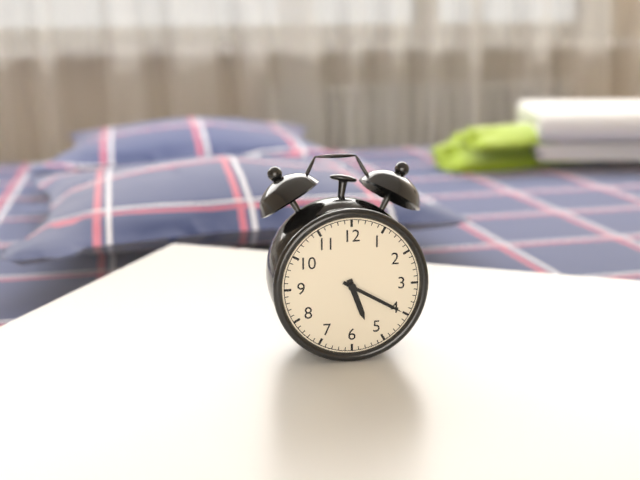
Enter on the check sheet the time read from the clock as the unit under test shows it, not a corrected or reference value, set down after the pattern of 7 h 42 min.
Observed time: 5 h 20 min
